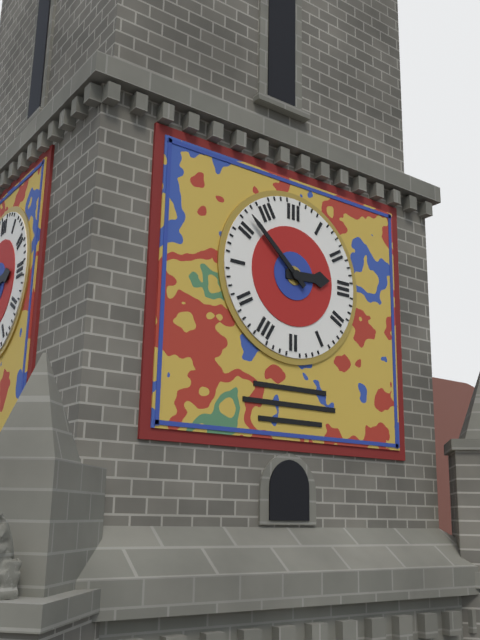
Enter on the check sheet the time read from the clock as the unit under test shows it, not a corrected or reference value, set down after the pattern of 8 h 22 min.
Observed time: 2 h 52 min
